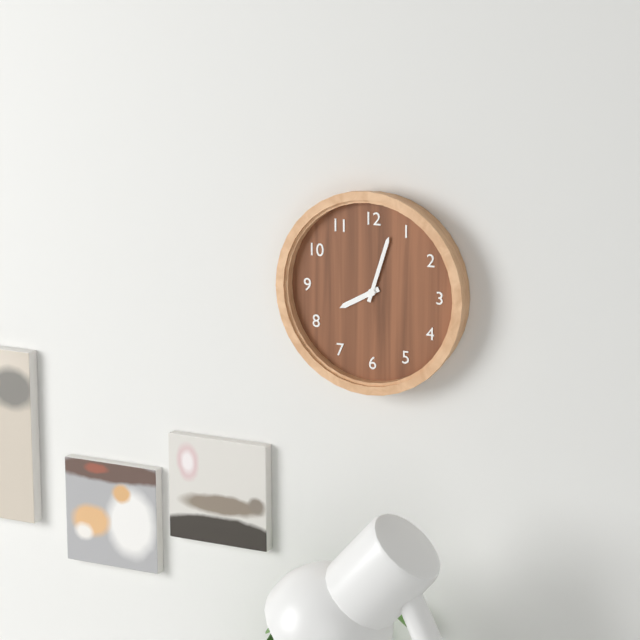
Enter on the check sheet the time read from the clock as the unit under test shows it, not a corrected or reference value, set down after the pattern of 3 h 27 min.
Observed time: 8 h 03 min
